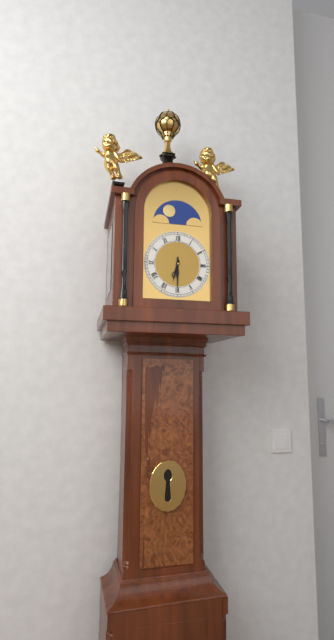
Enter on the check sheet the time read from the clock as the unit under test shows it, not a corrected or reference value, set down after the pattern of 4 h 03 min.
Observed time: 6 h 30 min
